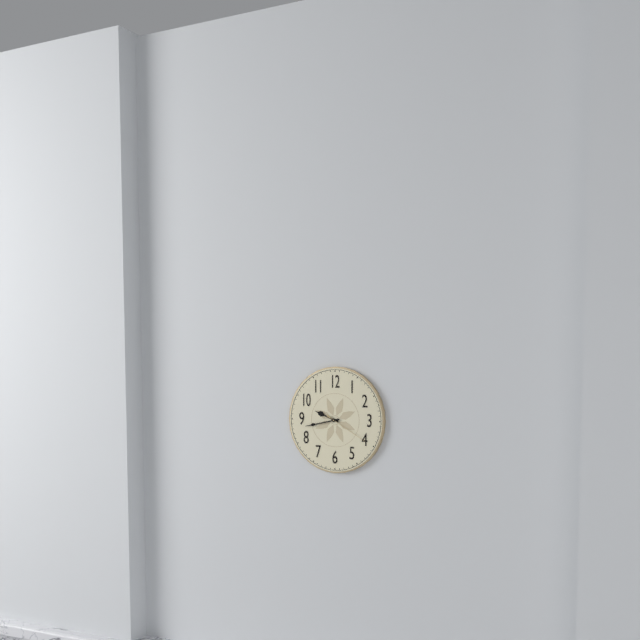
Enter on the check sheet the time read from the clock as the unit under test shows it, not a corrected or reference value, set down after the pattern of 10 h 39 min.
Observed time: 9 h 43 min
